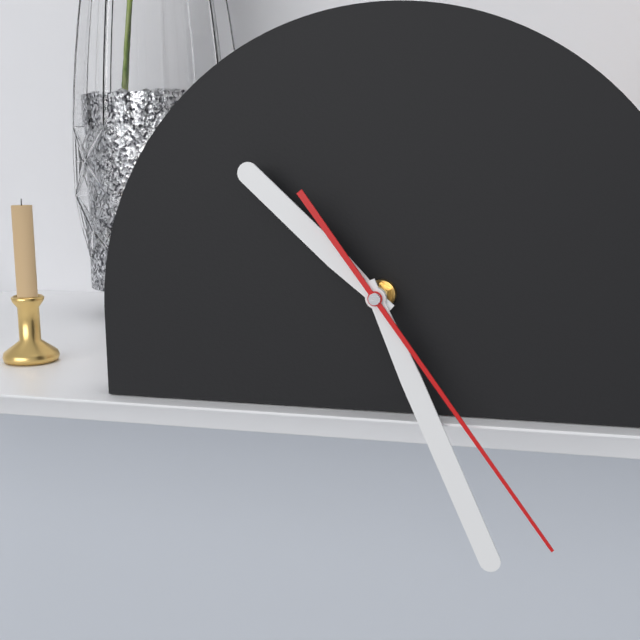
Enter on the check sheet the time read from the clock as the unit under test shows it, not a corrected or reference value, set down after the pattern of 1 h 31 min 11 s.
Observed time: 10 h 26 min 24 s
